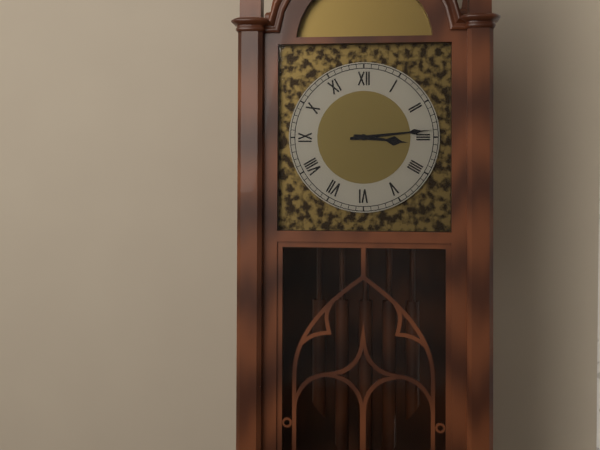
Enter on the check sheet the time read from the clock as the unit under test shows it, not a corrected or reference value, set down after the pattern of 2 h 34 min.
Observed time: 3 h 14 min
